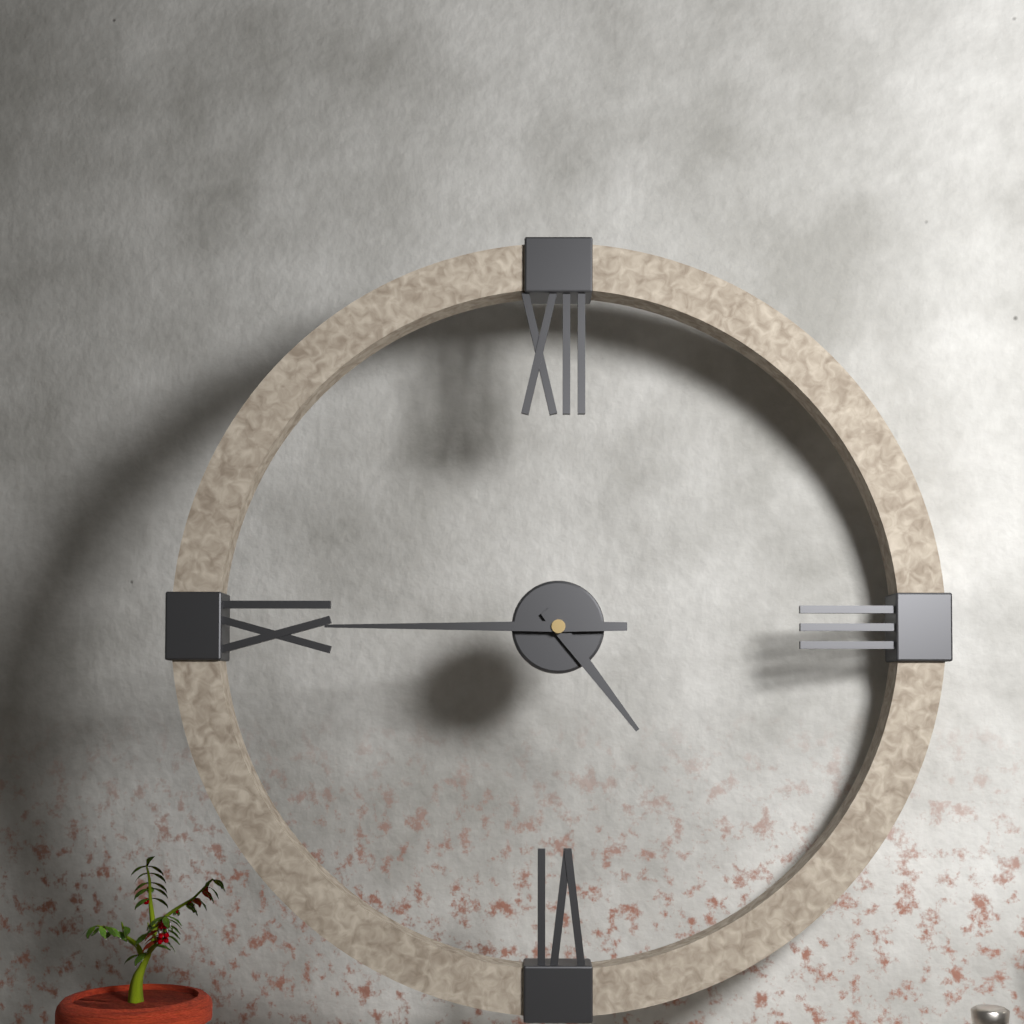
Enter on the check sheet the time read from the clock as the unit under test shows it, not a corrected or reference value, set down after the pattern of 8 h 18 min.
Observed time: 4 h 45 min
